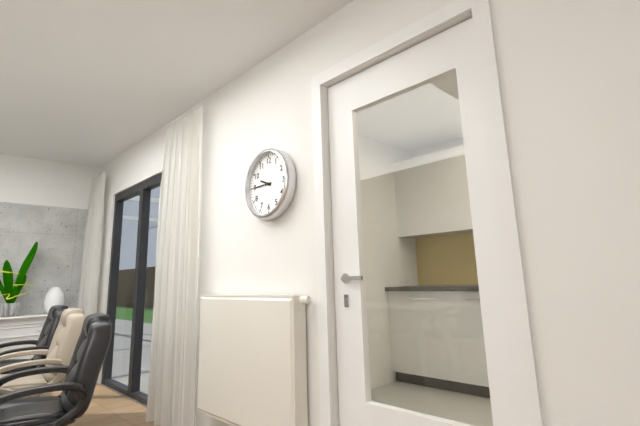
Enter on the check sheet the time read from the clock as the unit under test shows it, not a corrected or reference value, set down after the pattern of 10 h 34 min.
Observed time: 9 h 45 min
